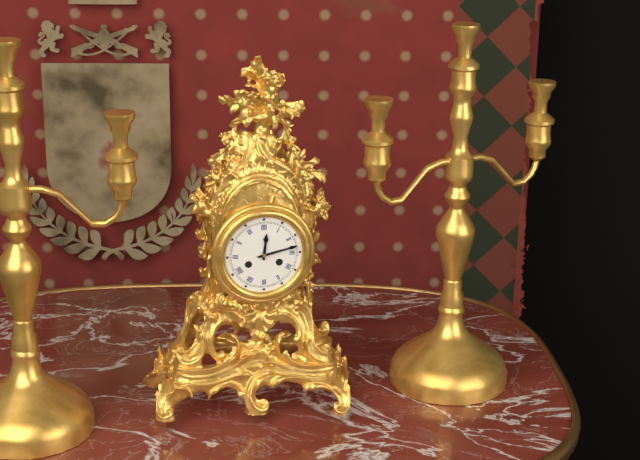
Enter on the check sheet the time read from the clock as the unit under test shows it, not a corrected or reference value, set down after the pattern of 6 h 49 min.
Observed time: 12 h 13 min
